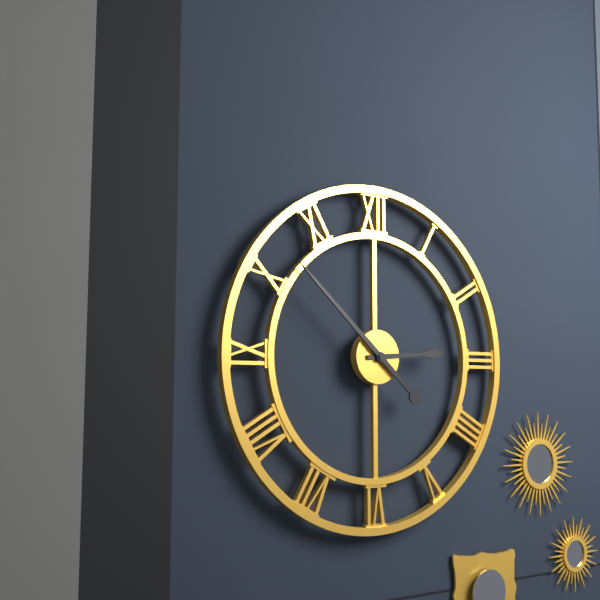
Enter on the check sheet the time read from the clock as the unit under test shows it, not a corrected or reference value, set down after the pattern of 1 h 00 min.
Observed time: 2 h 52 min
